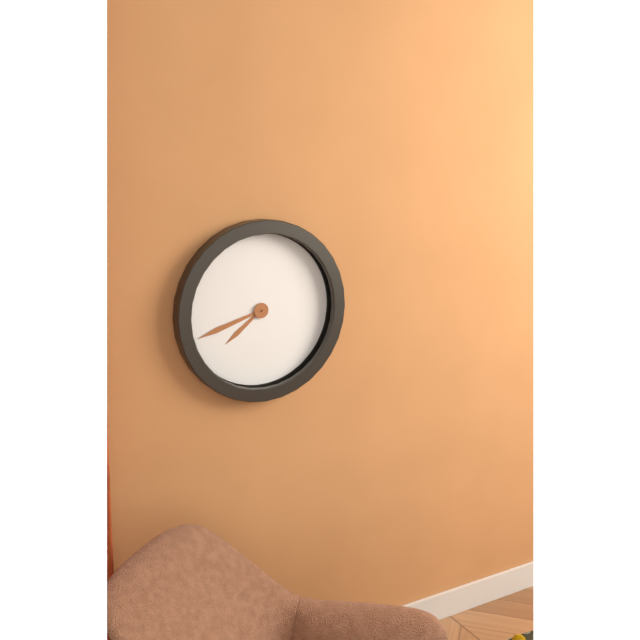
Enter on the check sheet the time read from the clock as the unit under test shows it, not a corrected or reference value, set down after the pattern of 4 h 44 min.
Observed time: 7 h 42 min
